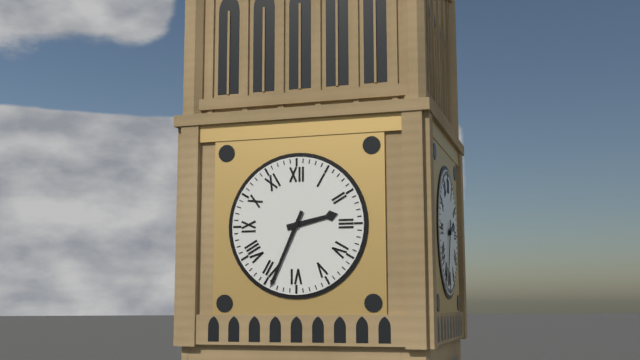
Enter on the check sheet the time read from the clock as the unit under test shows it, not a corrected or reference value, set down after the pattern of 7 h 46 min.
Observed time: 2 h 34 min
